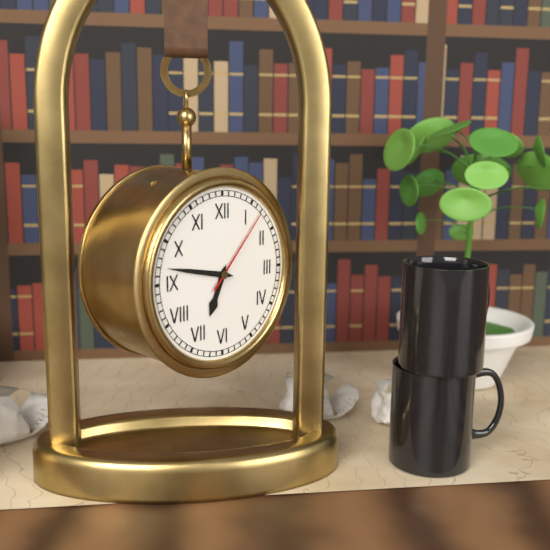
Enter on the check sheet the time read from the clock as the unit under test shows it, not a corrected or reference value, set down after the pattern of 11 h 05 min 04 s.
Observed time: 6 h 47 min 07 s
